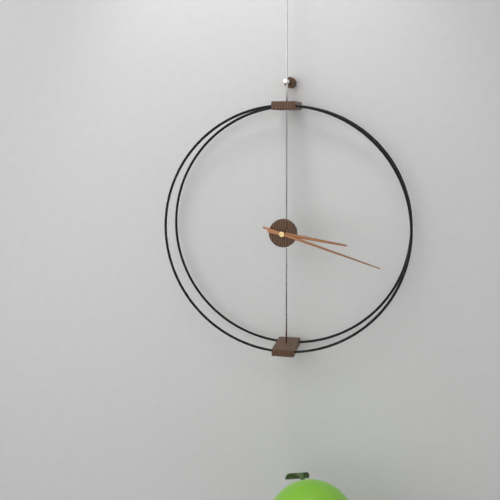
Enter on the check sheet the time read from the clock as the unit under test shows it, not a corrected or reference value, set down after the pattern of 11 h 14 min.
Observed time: 3 h 18 min
